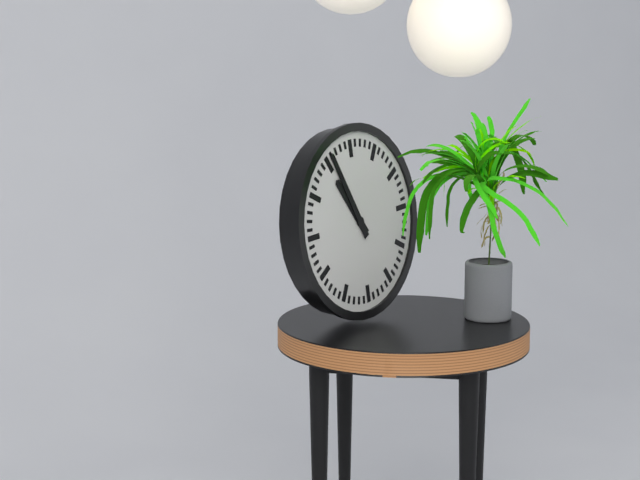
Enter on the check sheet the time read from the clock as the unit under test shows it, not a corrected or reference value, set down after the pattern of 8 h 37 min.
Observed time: 10 h 56 min
